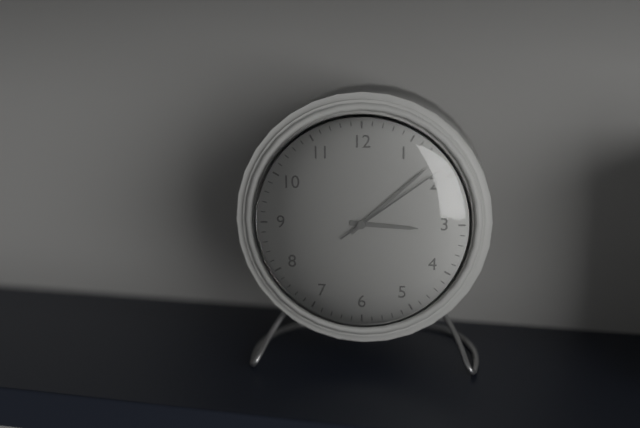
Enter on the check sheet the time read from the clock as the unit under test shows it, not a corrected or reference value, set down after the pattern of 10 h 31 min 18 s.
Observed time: 3 h 08 min 09 s
